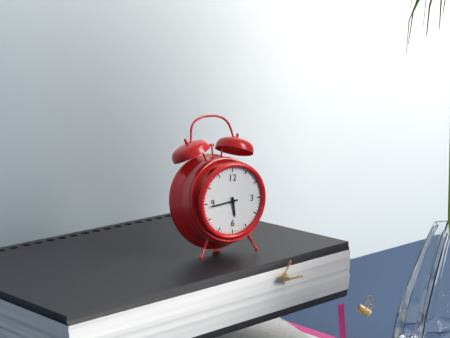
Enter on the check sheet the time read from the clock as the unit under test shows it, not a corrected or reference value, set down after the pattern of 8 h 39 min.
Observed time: 5 h 44 min
